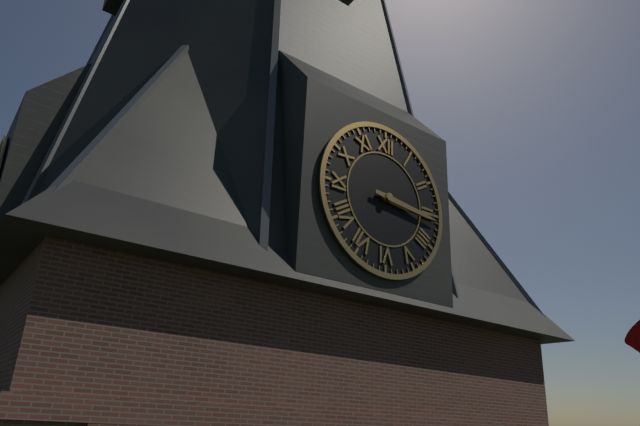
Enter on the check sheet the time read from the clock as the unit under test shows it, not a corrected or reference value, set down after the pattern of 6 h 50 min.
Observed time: 3 h 16 min
